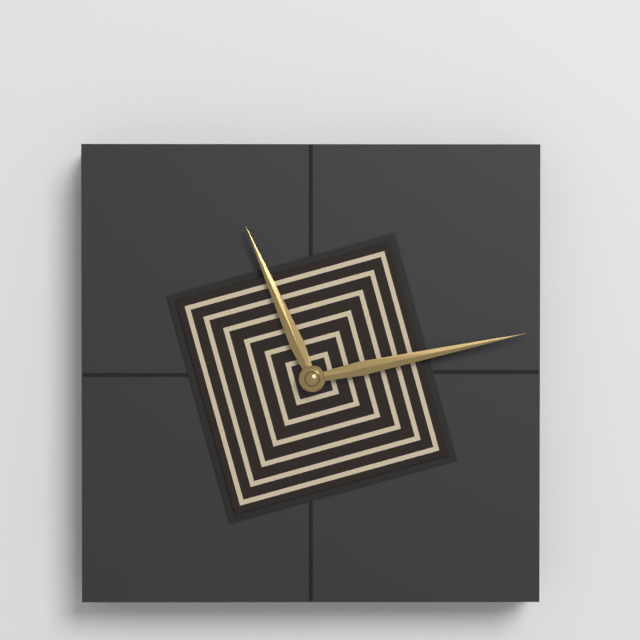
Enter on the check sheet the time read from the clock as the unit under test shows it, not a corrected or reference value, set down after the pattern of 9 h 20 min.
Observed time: 11 h 13 min
